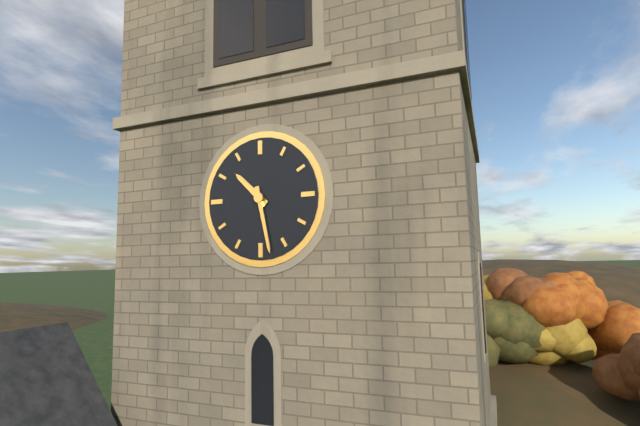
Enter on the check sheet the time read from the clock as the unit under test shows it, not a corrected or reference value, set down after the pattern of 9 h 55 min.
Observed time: 10 h 28 min
